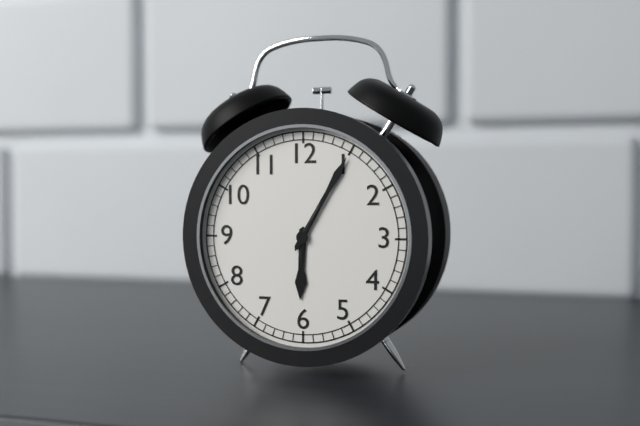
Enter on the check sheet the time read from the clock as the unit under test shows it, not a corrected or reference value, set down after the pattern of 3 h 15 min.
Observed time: 6 h 05 min
